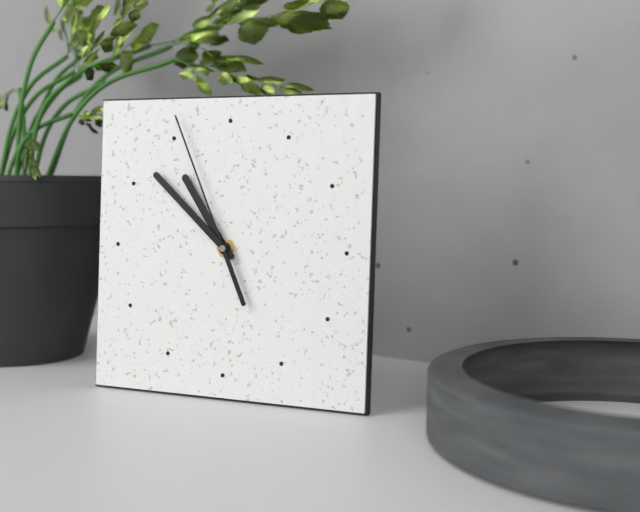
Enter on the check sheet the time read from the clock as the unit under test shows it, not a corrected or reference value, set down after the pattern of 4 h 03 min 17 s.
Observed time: 10 h 52 min 56 s
